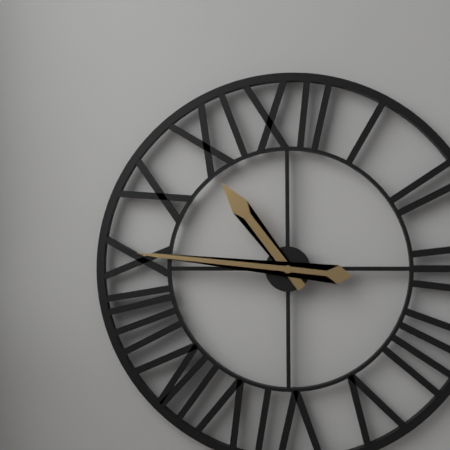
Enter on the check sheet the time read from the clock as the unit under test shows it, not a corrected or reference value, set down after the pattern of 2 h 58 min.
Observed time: 10 h 46 min
